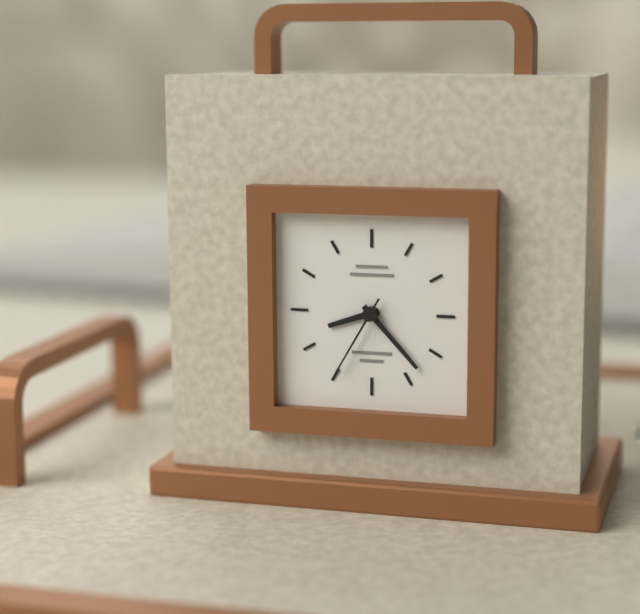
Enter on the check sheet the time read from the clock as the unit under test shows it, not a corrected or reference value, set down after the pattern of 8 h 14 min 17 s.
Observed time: 8 h 23 min 35 s
